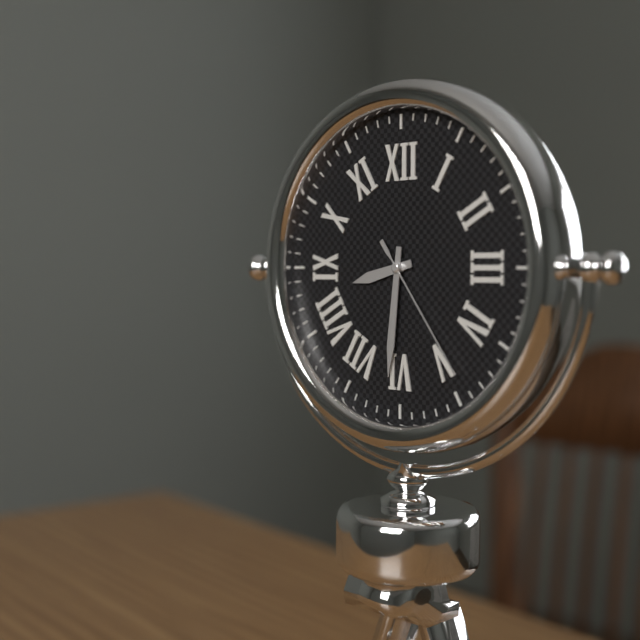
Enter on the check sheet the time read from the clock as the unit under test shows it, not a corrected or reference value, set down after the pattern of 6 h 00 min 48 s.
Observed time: 8 h 31 min 24 s
